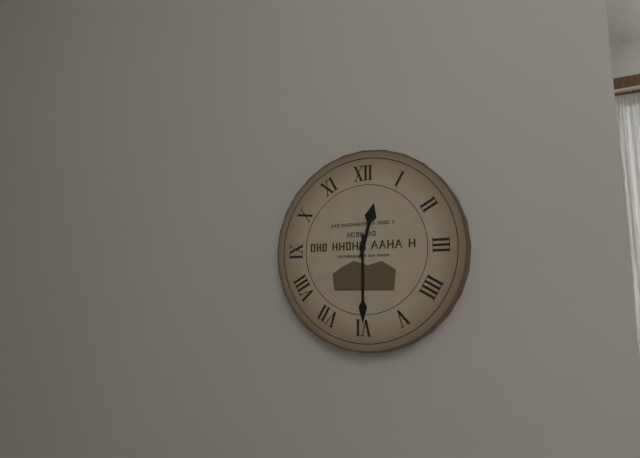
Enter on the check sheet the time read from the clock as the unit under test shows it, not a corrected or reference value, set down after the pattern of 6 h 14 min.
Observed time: 12 h 30 min
